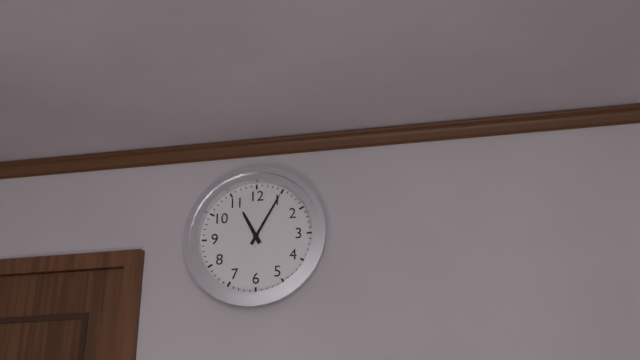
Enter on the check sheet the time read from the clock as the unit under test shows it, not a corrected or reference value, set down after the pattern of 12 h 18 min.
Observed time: 11 h 05 min
